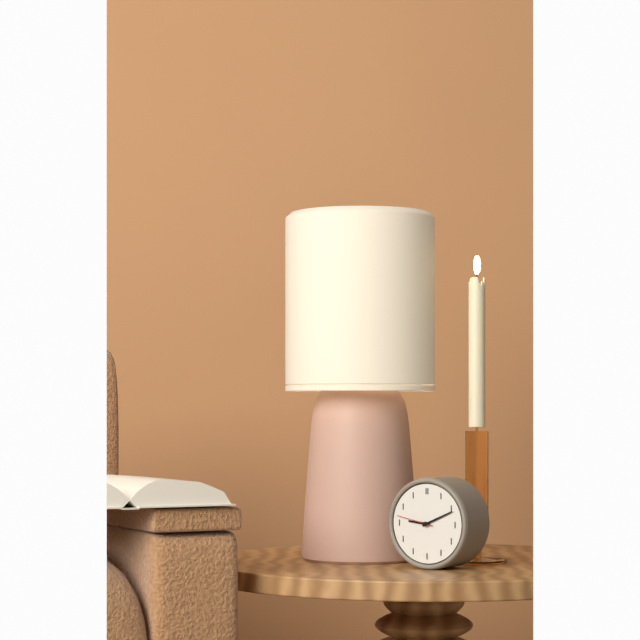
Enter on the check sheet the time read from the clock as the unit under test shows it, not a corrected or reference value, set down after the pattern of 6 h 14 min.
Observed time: 9 h 11 min
